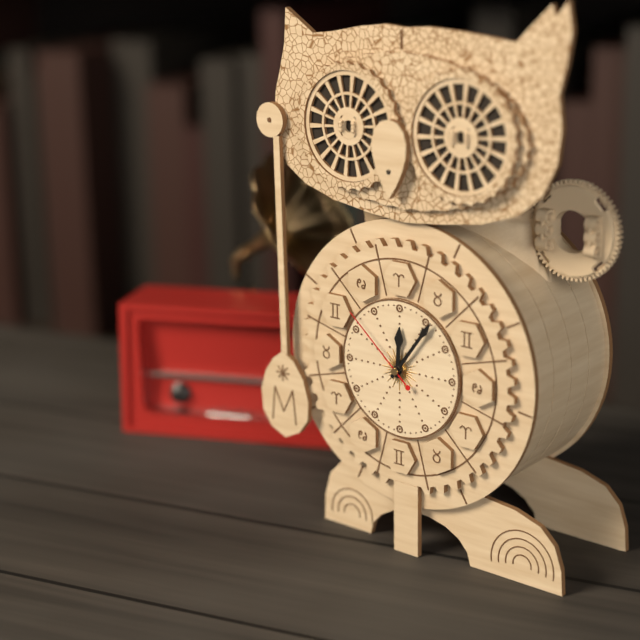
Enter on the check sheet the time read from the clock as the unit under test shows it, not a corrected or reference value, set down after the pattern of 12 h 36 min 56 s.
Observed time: 12 h 06 min 52 s
